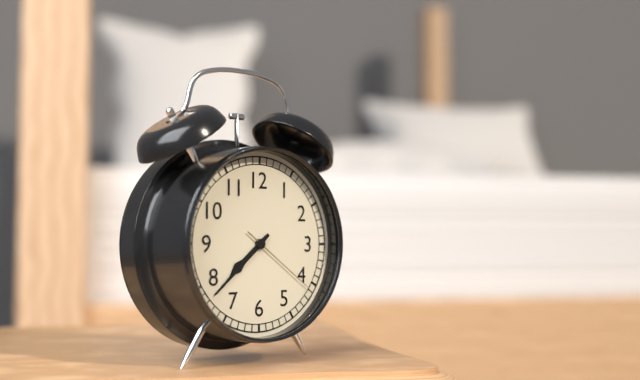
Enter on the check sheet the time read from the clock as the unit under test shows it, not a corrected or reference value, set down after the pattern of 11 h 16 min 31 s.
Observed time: 7 h 38 min 21 s
